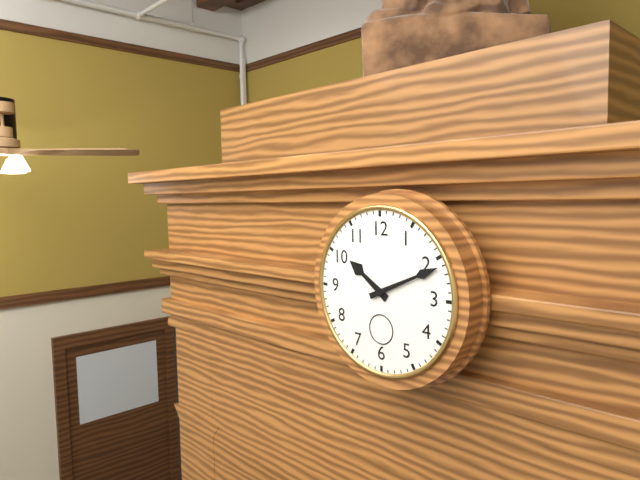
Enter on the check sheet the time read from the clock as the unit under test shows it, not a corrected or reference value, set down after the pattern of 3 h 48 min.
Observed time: 10 h 11 min
